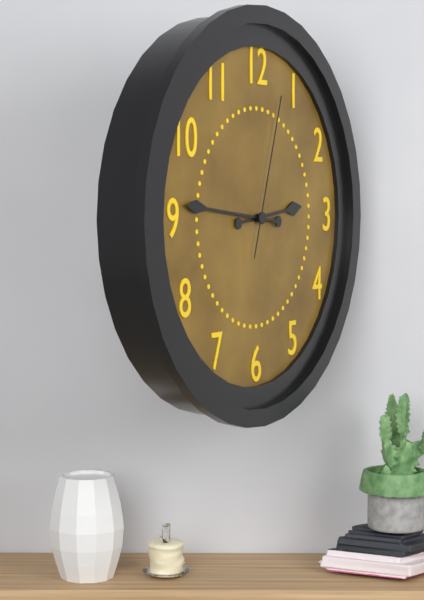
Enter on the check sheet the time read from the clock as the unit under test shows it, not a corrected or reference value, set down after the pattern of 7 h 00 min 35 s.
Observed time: 2 h 46 min 03 s
